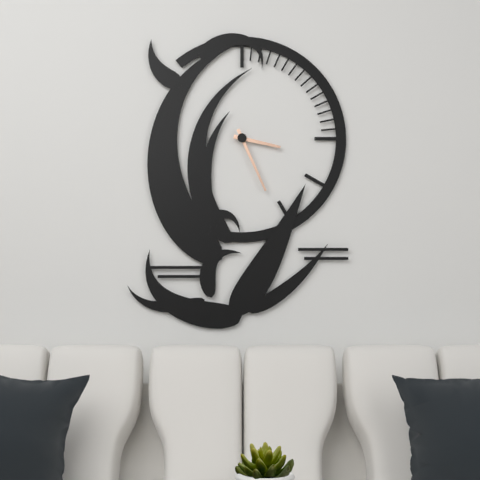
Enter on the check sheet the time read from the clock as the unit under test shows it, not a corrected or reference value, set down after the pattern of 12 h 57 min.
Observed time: 3 h 26 min
